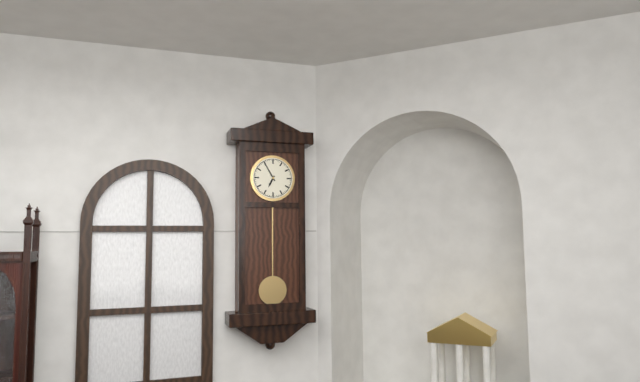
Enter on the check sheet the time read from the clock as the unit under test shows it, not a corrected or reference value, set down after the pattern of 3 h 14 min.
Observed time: 6 h 55 min
